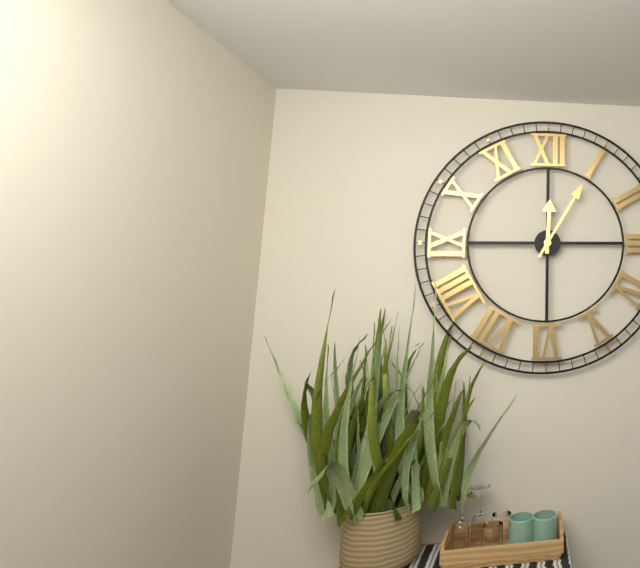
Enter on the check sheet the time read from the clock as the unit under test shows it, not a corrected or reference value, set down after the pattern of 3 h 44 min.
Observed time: 12 h 05 min
